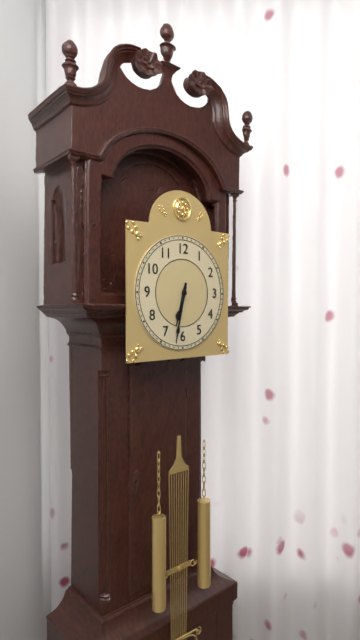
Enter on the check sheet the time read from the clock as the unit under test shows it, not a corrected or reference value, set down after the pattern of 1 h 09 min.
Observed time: 6 h 32 min
